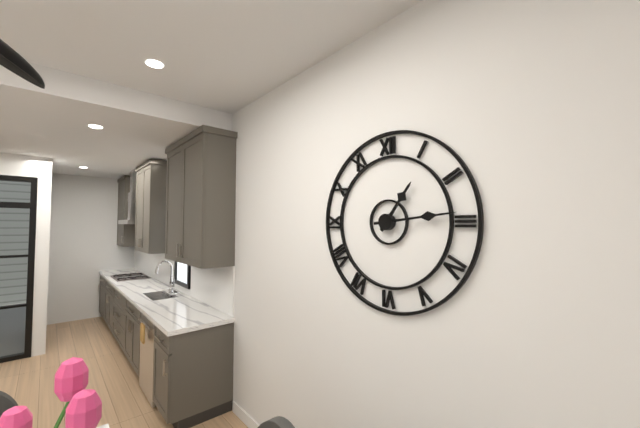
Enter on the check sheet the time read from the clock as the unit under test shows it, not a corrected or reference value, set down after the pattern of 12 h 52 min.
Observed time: 1 h 14 min
